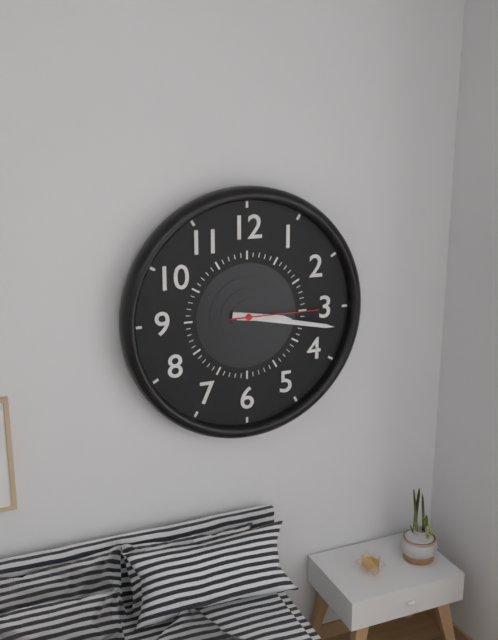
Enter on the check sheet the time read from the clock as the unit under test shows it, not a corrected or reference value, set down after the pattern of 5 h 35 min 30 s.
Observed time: 3 h 17 min 15 s
